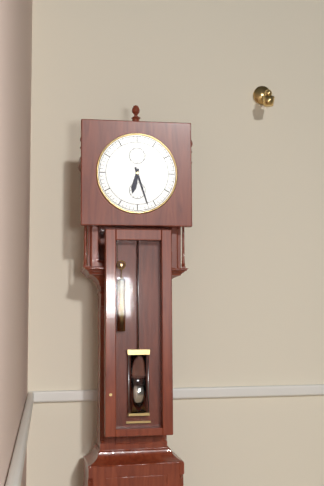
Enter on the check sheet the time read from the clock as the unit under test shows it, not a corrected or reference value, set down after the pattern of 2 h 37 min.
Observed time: 6 h 27 min
